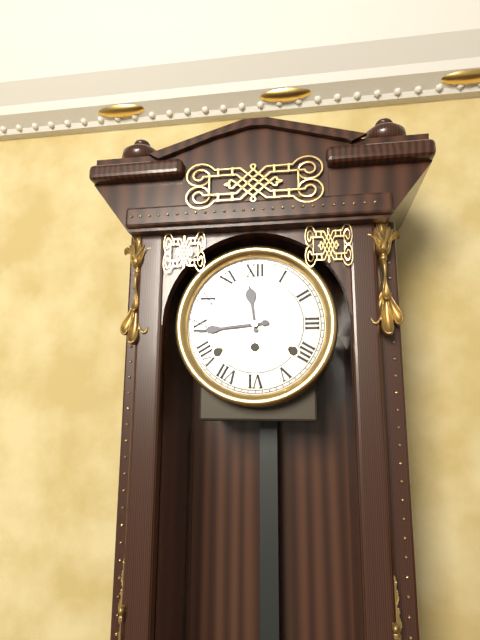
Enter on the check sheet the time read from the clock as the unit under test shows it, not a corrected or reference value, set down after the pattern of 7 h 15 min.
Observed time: 11 h 44 min
